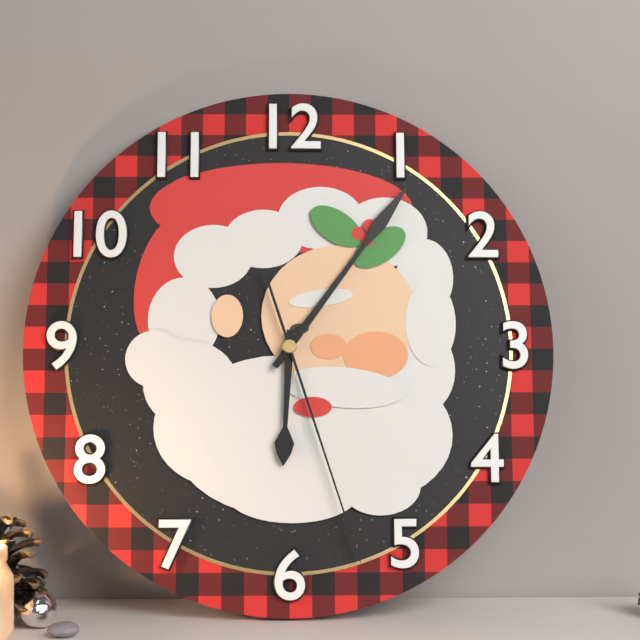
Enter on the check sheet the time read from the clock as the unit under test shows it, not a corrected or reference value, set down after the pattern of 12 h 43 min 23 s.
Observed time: 6 h 06 min 27 s
